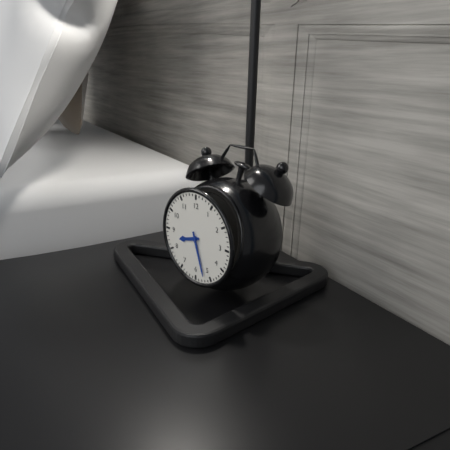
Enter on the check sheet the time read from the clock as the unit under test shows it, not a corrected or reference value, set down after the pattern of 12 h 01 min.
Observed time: 8 h 27 min
